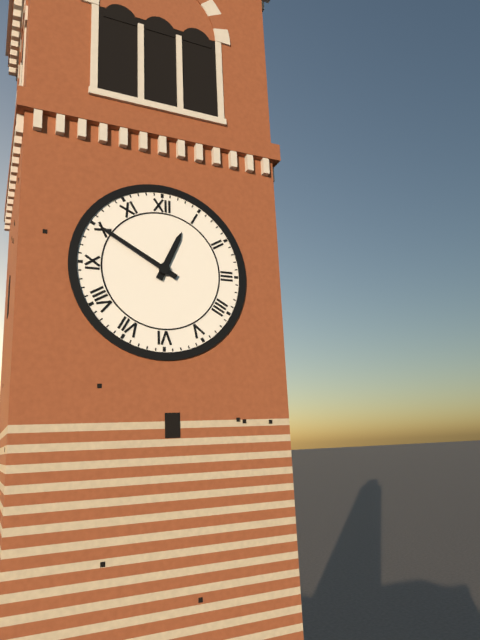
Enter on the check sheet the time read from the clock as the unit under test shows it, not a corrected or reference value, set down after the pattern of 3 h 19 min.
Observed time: 12 h 50 min
